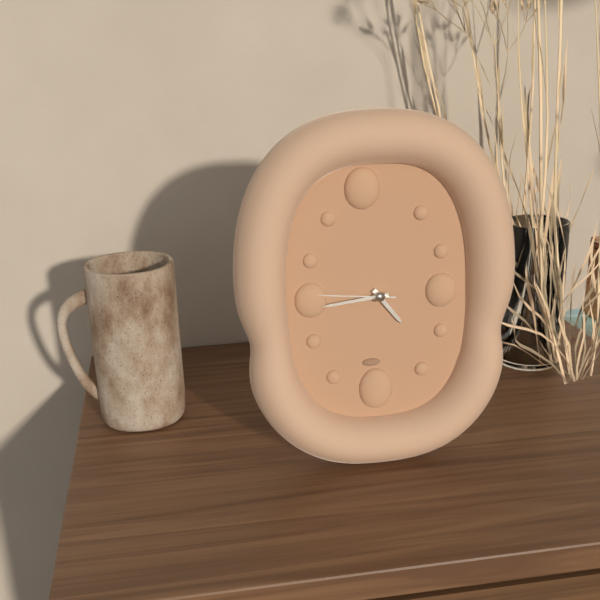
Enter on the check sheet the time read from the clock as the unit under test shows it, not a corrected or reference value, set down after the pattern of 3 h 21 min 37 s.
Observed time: 4 h 44 min 46 s
